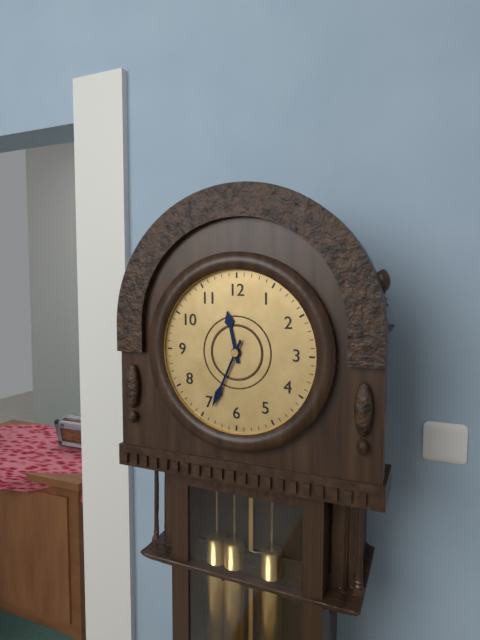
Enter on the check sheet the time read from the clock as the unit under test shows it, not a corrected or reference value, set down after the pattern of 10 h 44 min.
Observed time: 11 h 34 min
